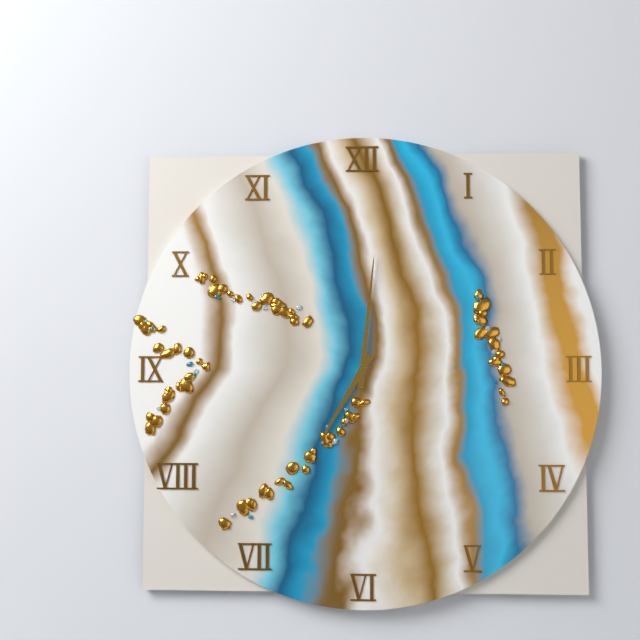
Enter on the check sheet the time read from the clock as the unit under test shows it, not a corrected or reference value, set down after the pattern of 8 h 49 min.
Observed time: 7 h 01 min
